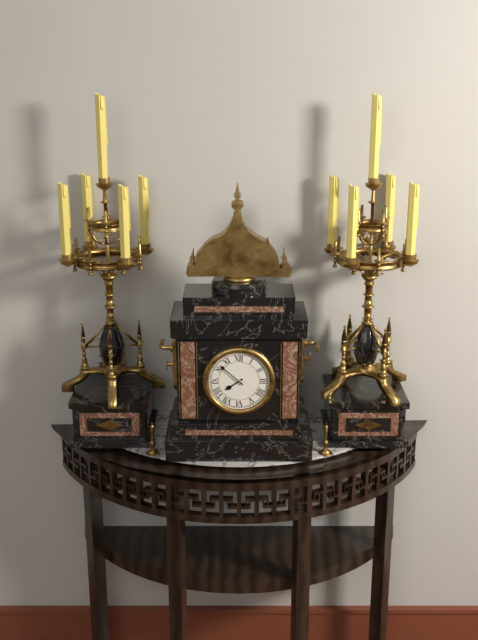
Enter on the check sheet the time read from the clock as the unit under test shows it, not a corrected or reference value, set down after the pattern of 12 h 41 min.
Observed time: 7 h 52 min
